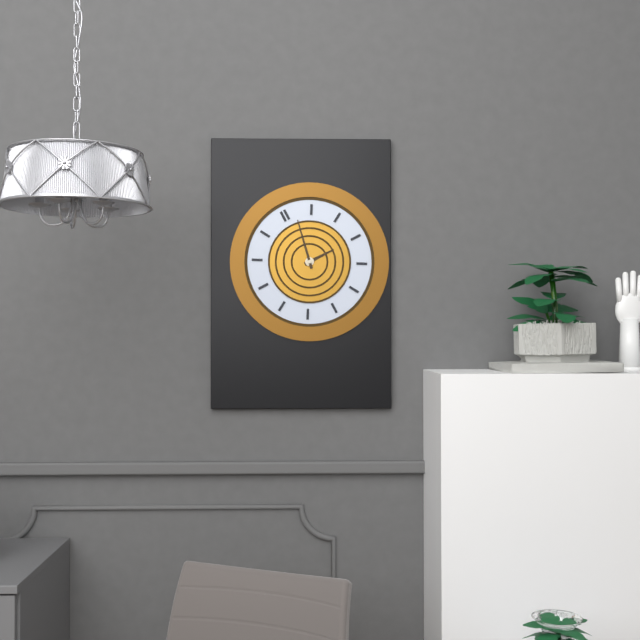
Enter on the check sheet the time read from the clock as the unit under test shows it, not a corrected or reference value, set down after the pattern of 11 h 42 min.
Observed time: 3 h 02 min
